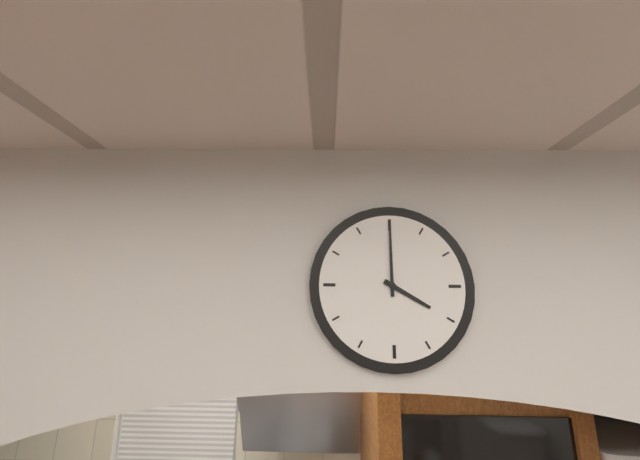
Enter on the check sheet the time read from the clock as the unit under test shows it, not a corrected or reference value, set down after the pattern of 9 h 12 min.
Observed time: 4 h 00 min
